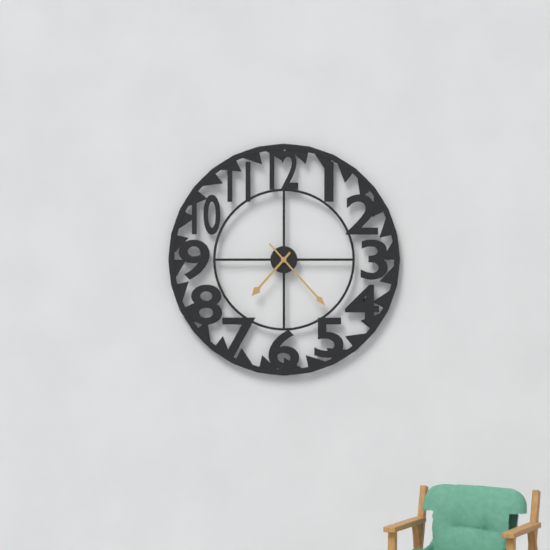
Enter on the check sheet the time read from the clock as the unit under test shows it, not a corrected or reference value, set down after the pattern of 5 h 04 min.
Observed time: 7 h 23 min
